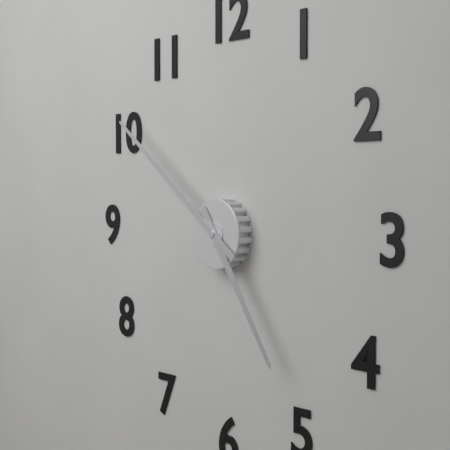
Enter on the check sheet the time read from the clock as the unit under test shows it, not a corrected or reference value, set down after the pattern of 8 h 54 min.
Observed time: 4 h 51 min
